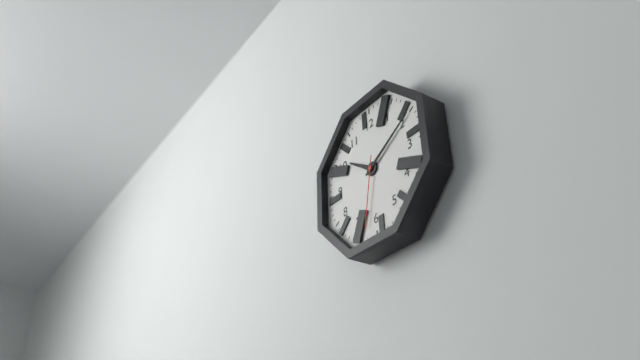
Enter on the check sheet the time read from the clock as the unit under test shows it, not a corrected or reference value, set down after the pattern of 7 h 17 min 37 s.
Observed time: 10 h 10 min 32 s
